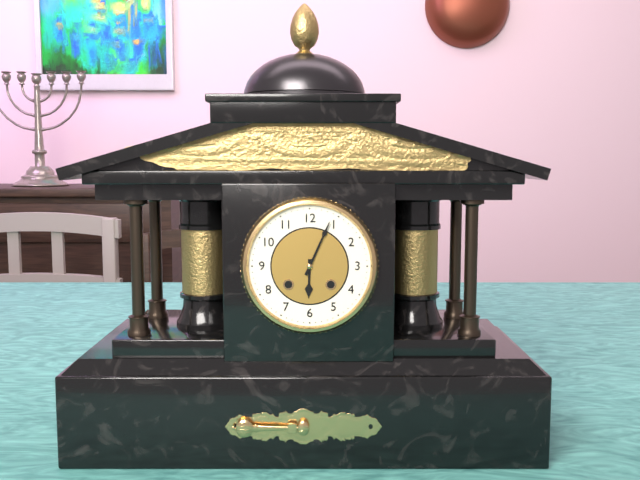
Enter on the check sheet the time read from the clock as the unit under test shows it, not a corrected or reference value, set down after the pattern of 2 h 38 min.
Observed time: 6 h 04 min
